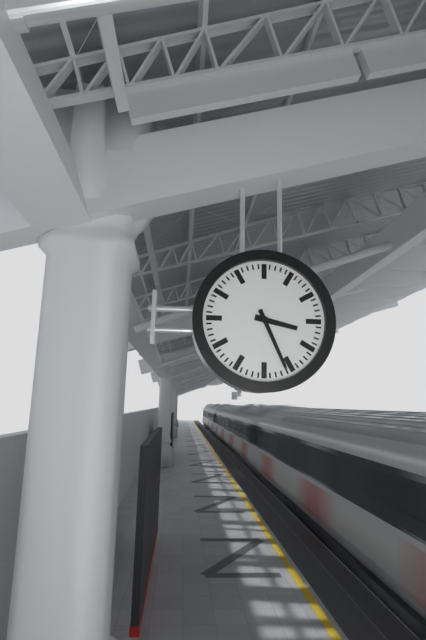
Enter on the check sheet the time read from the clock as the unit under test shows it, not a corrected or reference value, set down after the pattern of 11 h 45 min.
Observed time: 3 h 26 min
